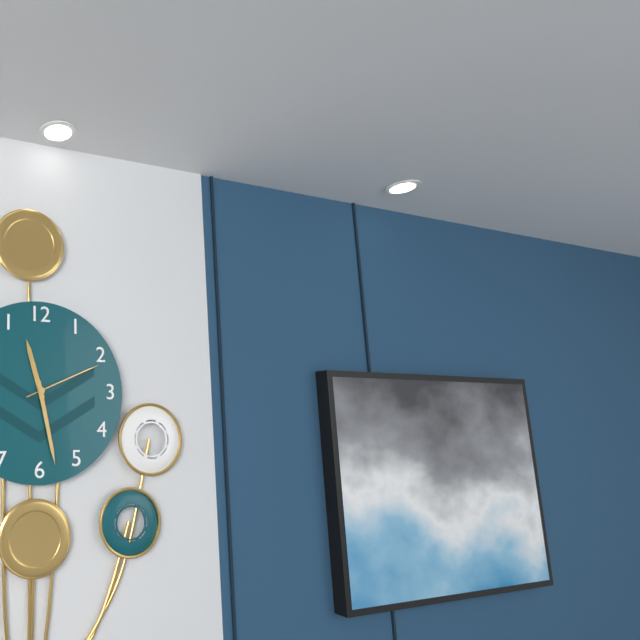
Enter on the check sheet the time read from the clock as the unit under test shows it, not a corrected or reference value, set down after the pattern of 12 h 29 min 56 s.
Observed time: 11 h 28 min 11 s
